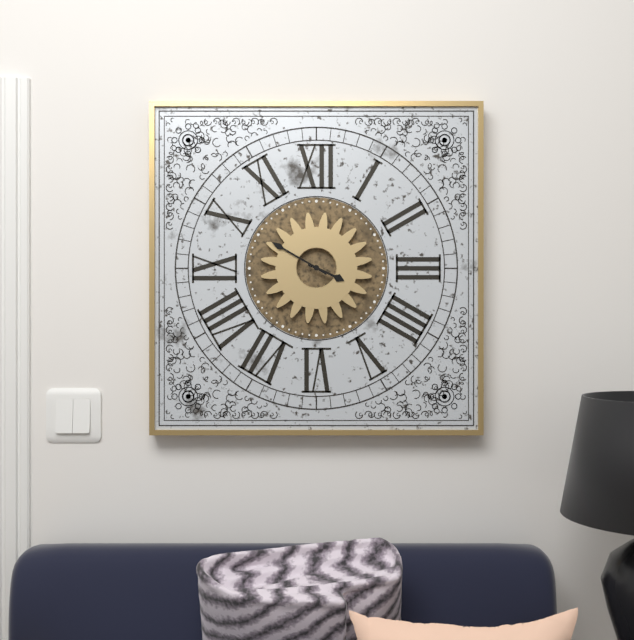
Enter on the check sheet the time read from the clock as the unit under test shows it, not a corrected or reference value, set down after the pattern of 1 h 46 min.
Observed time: 3 h 50 min
